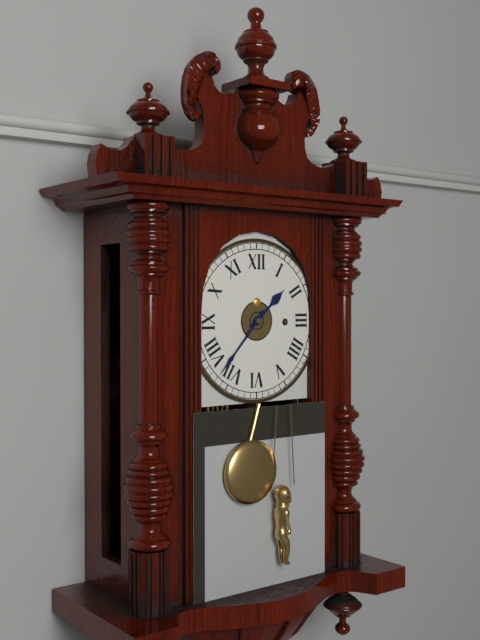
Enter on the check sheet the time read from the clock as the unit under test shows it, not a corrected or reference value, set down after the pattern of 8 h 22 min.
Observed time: 1 h 37 min
